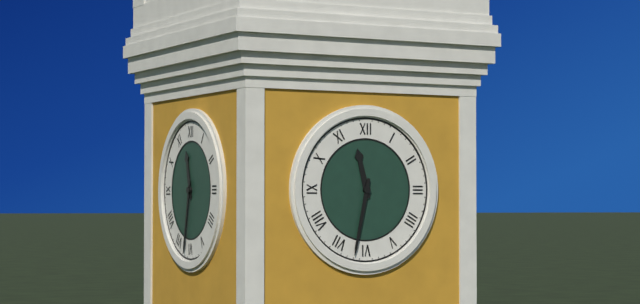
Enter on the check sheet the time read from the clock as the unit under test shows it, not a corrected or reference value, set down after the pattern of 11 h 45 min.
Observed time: 11 h 32 min
